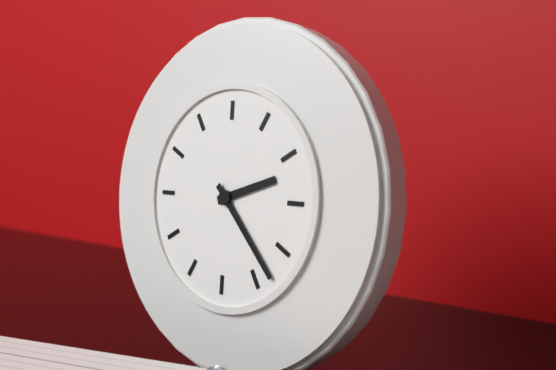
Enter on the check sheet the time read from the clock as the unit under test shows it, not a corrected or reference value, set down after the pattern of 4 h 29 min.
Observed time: 2 h 23 min
